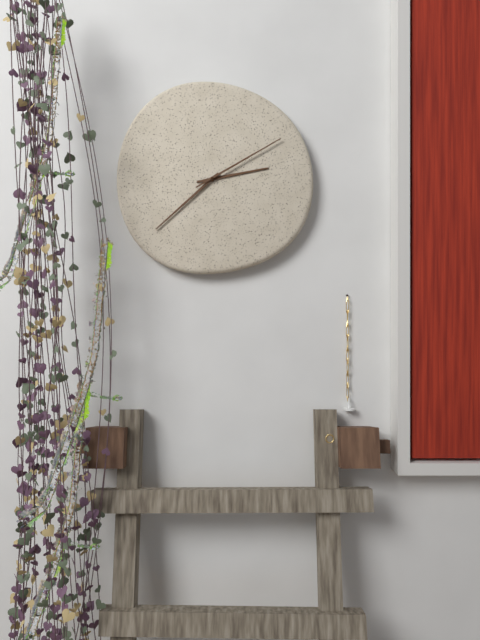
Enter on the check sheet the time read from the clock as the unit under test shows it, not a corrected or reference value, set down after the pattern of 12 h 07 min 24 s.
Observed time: 2 h 38 min 10 s
